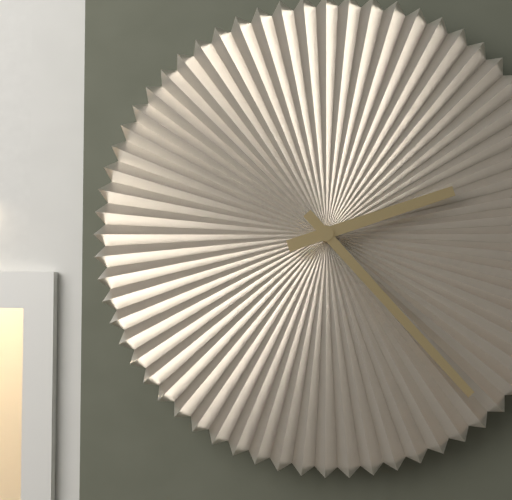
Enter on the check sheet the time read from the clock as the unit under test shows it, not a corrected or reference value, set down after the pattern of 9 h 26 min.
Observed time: 2 h 23 min
